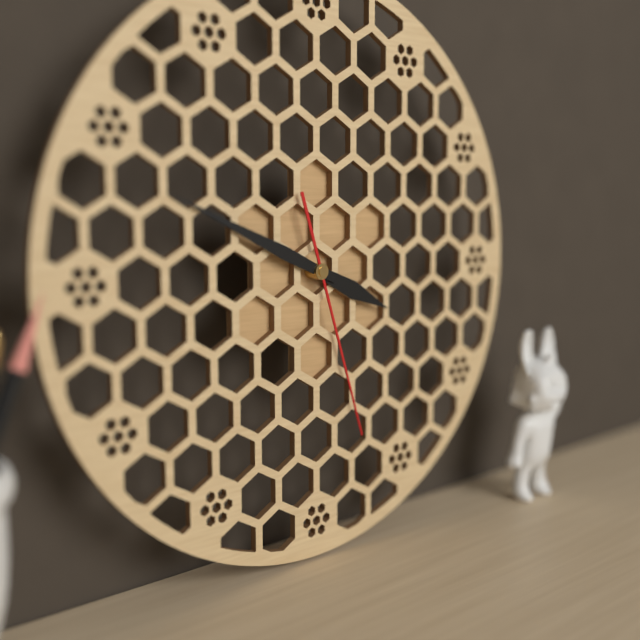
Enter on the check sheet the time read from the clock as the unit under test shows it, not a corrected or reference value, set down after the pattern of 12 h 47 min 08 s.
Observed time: 3 h 49 min 27 s
